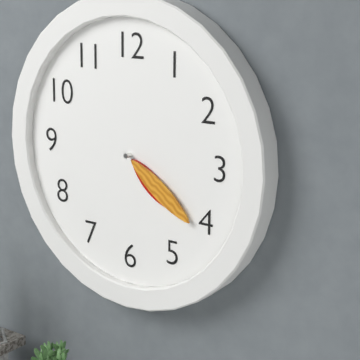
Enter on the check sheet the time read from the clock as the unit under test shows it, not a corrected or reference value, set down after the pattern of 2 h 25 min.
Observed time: 4 h 21 min
